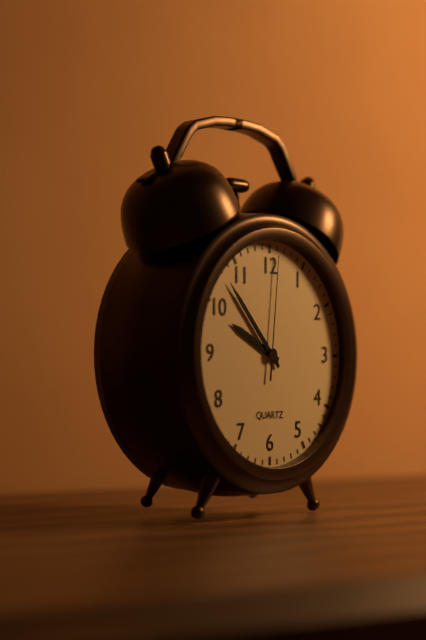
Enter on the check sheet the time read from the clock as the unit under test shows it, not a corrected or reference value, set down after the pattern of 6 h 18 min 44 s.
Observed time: 9 h 53 min 01 s
